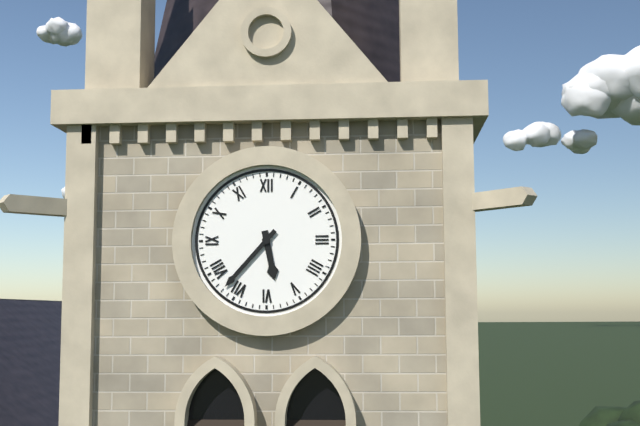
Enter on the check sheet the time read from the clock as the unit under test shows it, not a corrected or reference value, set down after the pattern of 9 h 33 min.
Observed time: 5 h 37 min
